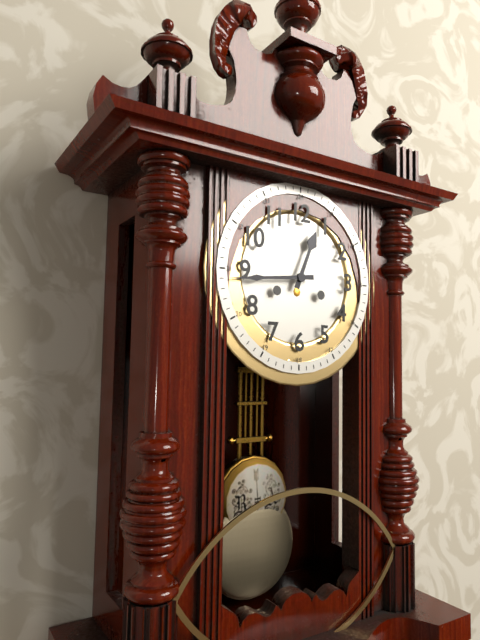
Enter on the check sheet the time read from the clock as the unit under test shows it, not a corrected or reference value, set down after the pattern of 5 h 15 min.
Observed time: 12 h 44 min
